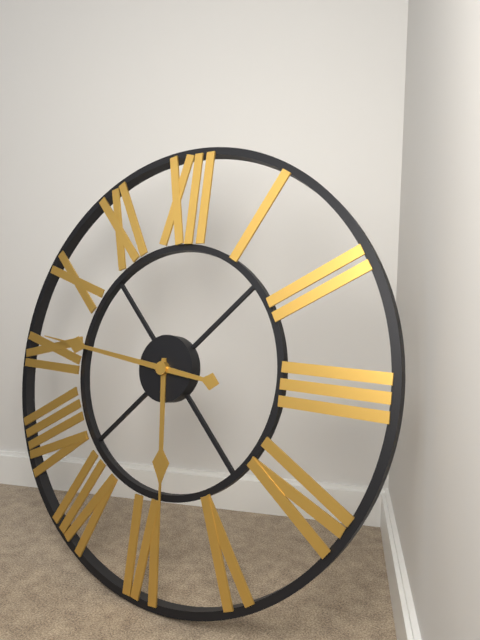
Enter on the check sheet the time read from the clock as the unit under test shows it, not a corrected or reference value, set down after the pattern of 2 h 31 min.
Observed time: 5 h 46 min
